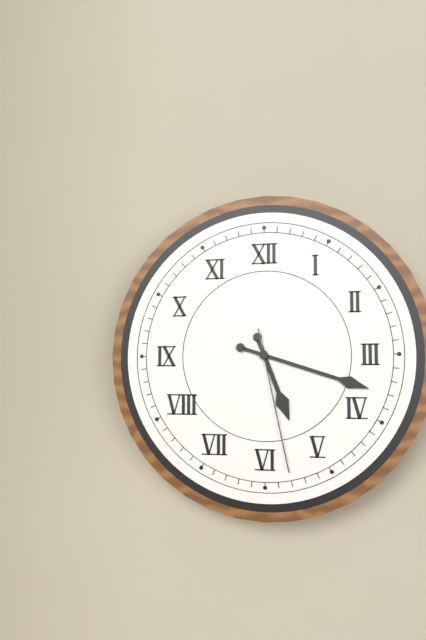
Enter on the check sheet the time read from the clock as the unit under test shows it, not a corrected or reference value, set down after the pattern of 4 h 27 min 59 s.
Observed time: 5 h 18 min 28 s
